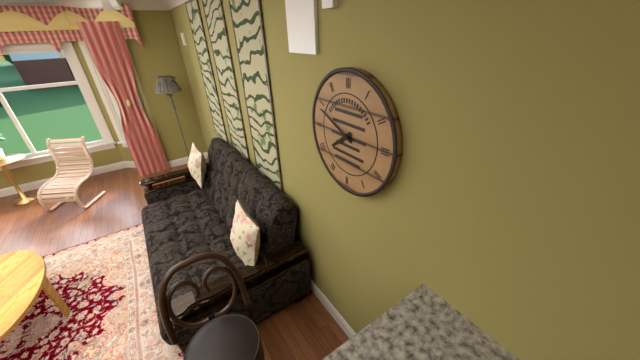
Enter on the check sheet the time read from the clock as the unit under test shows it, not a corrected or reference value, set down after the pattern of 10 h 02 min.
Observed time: 7 h 49 min
